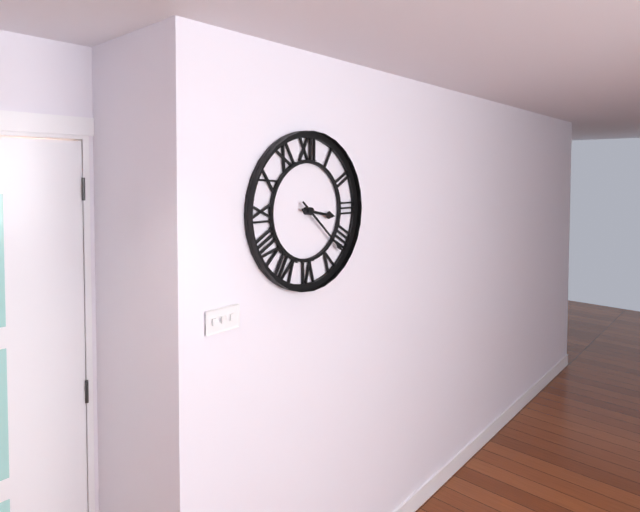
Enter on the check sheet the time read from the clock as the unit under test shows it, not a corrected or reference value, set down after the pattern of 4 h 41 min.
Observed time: 3 h 22 min
